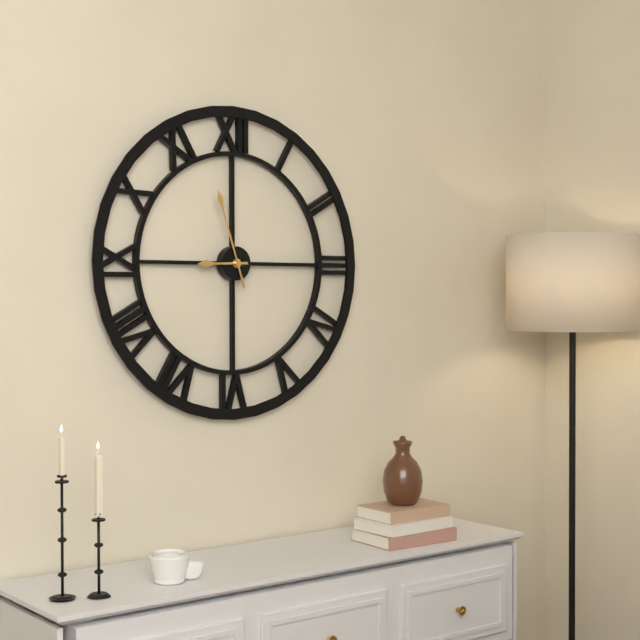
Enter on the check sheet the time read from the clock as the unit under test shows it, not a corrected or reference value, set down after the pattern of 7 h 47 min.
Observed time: 8 h 57 min
